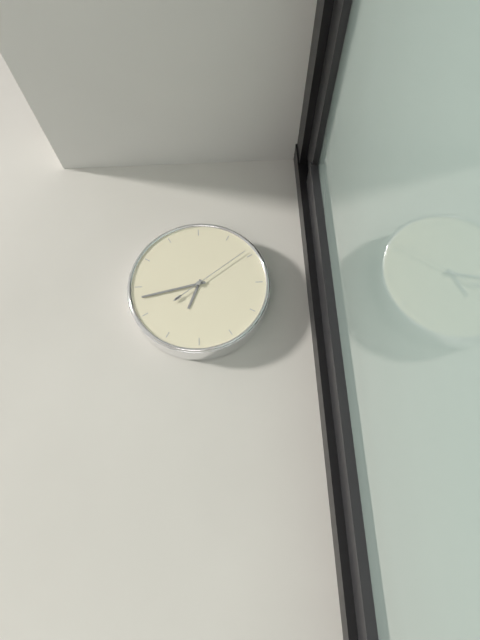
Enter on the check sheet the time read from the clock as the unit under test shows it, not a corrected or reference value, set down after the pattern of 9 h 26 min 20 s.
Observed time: 6 h 43 min 09 s
